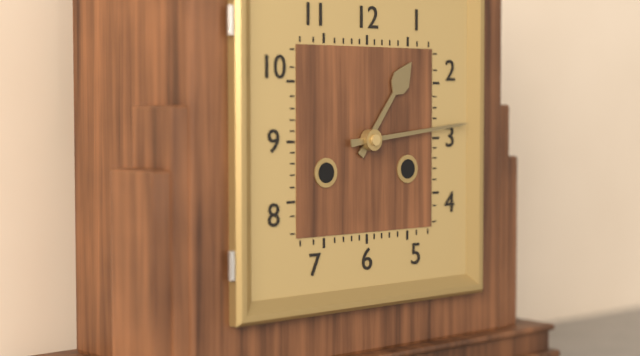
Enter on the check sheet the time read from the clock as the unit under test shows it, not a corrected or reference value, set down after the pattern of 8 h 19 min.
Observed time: 1 h 14 min
